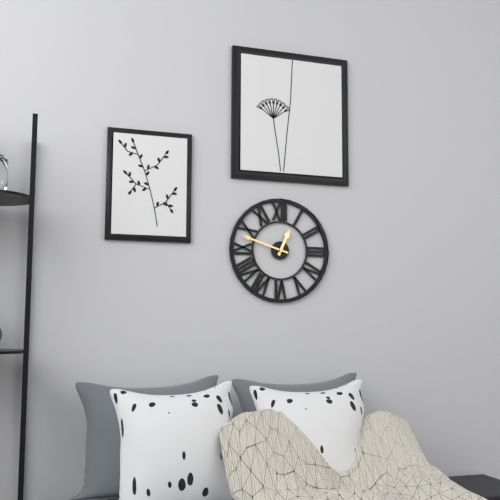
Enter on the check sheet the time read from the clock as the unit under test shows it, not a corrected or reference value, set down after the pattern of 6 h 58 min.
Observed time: 12 h 48 min
